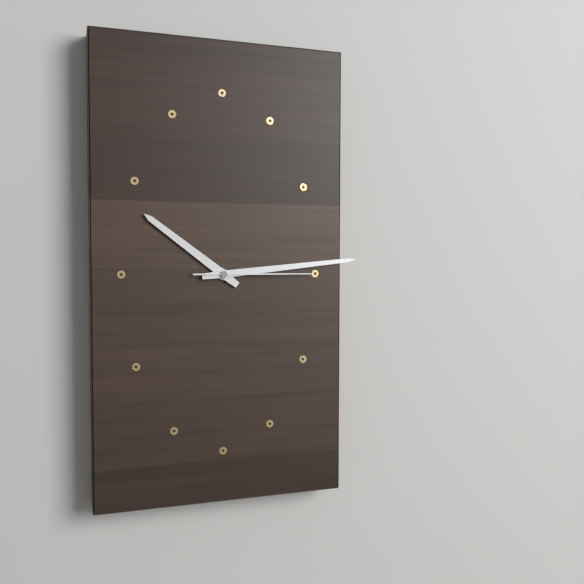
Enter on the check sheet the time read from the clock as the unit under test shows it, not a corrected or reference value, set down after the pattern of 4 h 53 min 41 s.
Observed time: 10 h 14 min 15 s
